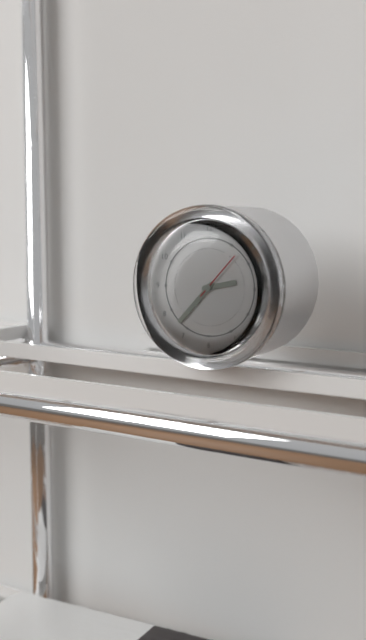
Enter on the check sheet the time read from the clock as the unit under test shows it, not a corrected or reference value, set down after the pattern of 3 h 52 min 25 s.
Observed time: 2 h 37 min 07 s
